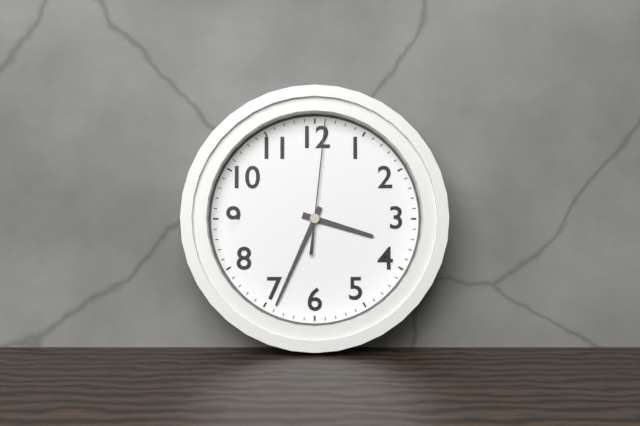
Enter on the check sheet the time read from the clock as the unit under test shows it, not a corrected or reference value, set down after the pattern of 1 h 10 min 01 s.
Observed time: 3 h 34 min 01 s
